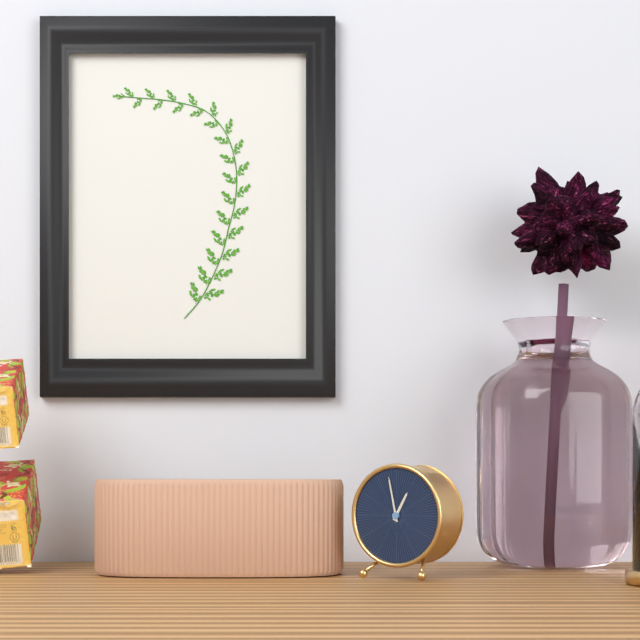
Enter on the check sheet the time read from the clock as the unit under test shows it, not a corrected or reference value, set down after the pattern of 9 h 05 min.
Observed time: 12 h 58 min
